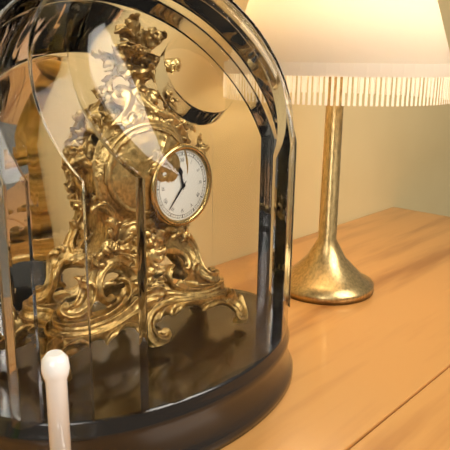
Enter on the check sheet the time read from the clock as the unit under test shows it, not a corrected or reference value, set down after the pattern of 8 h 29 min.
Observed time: 11 h 37 min
